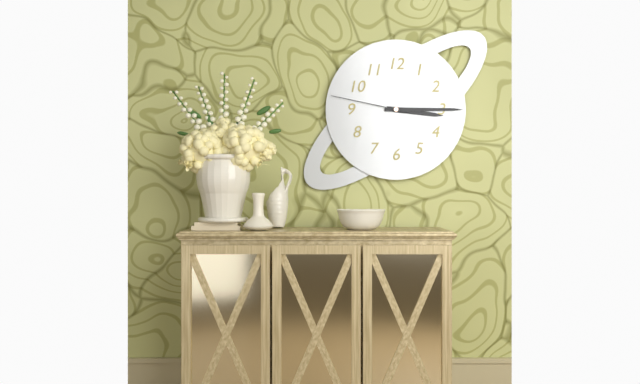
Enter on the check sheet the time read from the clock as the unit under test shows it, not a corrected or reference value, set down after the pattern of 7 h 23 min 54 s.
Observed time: 3 h 15 min 47 s
